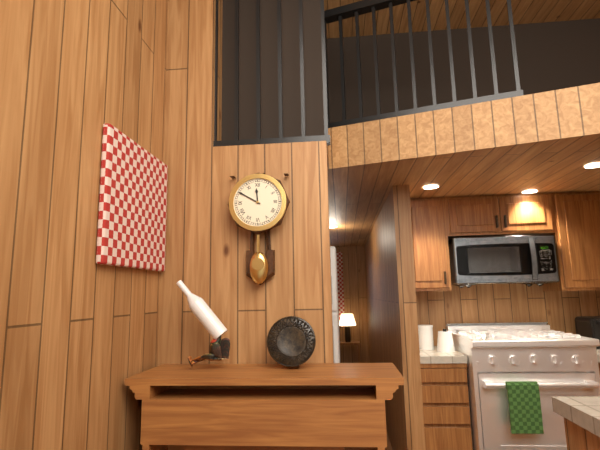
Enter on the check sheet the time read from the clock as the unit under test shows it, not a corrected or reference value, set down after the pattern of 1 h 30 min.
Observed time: 11 h 50 min
